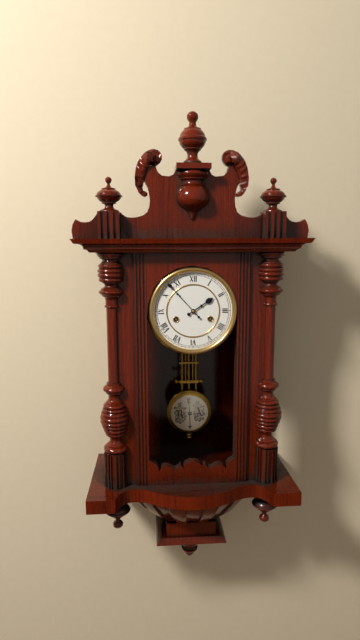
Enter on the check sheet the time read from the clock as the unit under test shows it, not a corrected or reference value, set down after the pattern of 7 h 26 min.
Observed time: 1 h 53 min
